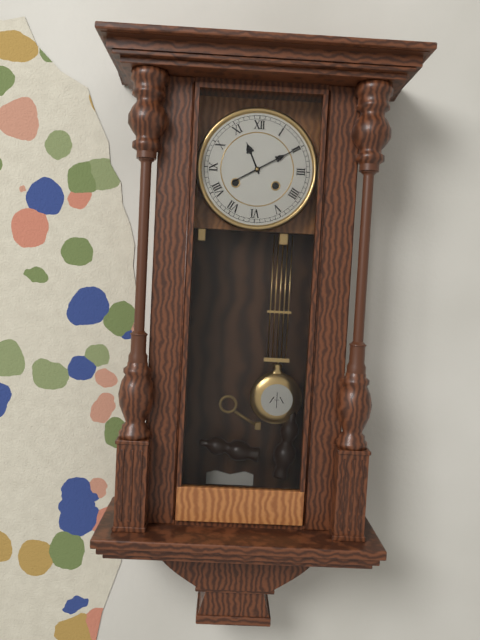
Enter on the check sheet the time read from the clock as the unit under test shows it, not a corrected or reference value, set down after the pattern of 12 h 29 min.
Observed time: 11 h 10 min
